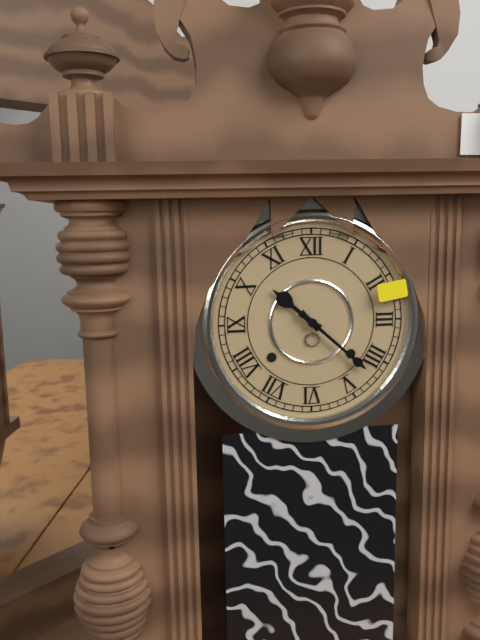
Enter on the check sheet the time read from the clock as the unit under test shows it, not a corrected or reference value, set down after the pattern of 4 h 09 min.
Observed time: 10 h 22 min
